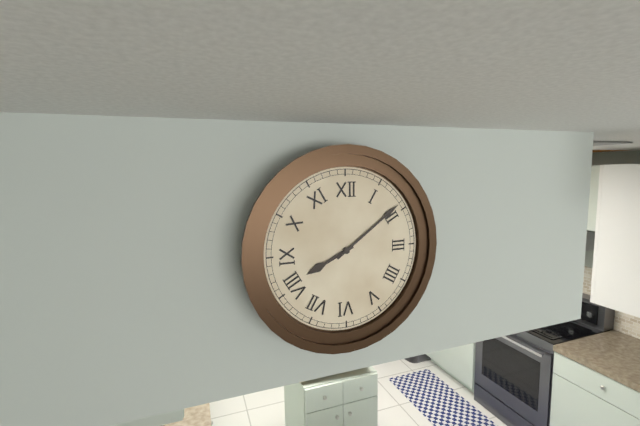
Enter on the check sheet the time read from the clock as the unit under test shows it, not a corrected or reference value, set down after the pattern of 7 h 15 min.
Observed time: 8 h 09 min
